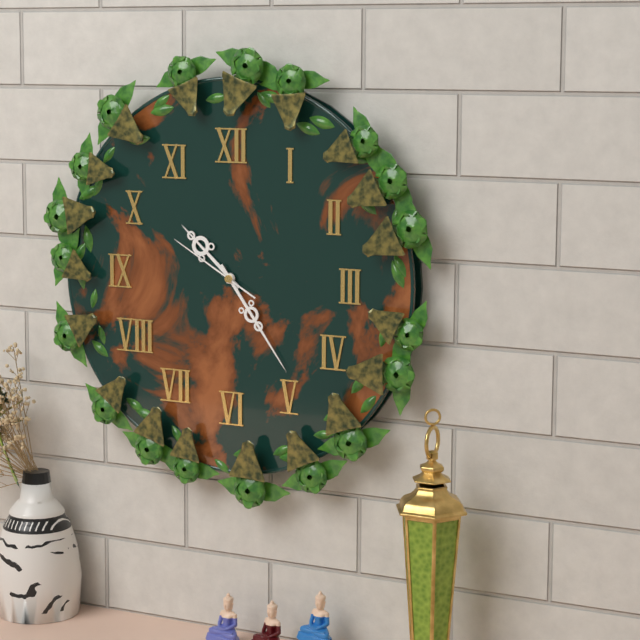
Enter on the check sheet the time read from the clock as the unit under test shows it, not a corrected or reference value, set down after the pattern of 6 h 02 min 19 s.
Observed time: 10 h 24 min 50 s
